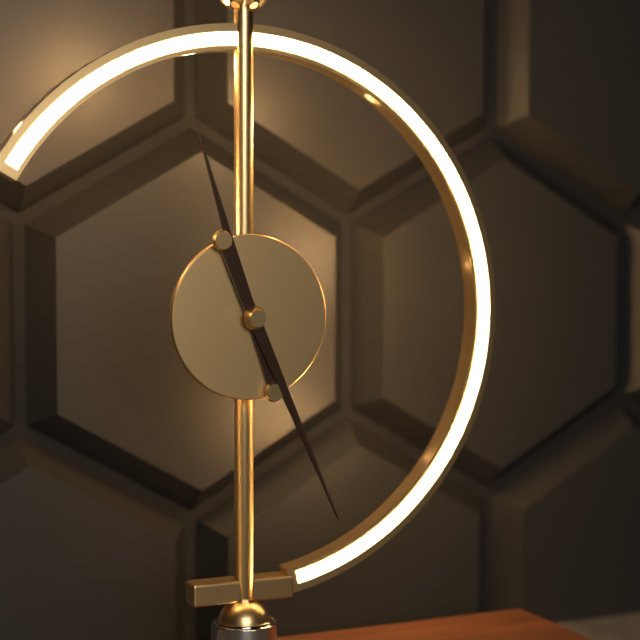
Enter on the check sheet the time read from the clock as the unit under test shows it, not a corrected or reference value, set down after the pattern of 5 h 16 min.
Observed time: 11 h 26 min
